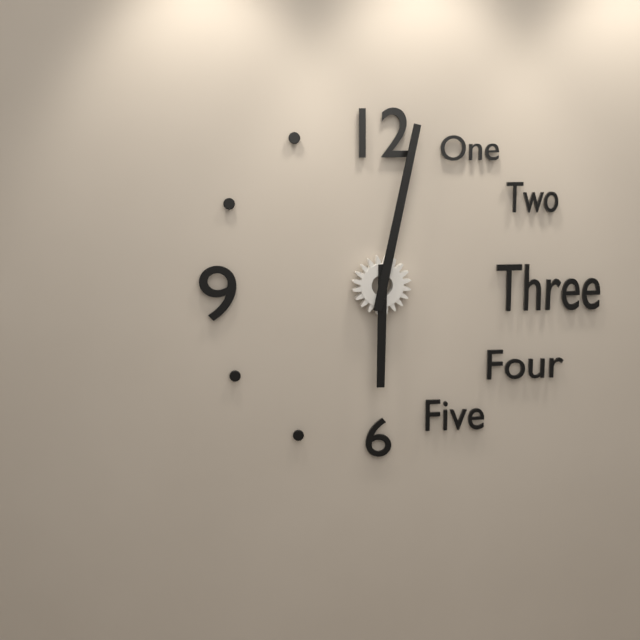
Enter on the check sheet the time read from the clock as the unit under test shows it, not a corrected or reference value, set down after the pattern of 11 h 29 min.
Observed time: 6 h 02 min
